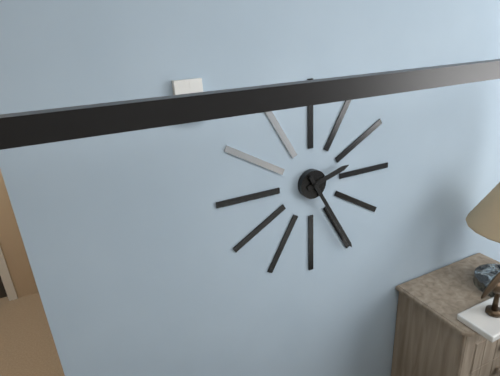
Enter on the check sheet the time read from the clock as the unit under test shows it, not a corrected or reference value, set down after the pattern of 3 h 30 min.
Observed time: 2 h 25 min
